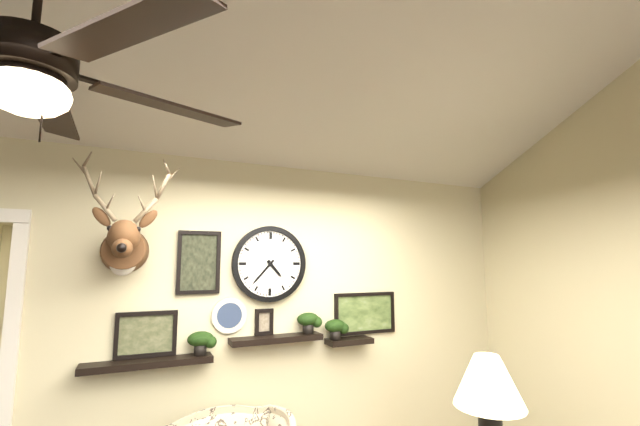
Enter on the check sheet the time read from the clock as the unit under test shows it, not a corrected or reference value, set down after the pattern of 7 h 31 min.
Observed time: 4 h 37 min
